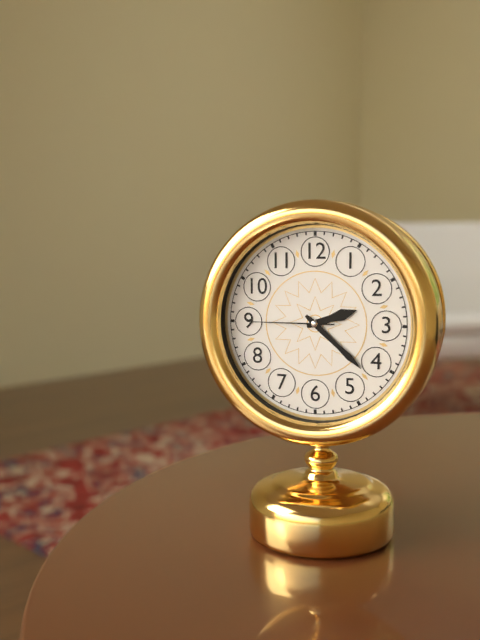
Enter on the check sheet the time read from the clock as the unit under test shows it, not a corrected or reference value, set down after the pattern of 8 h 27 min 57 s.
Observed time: 2 h 22 min 45 s
